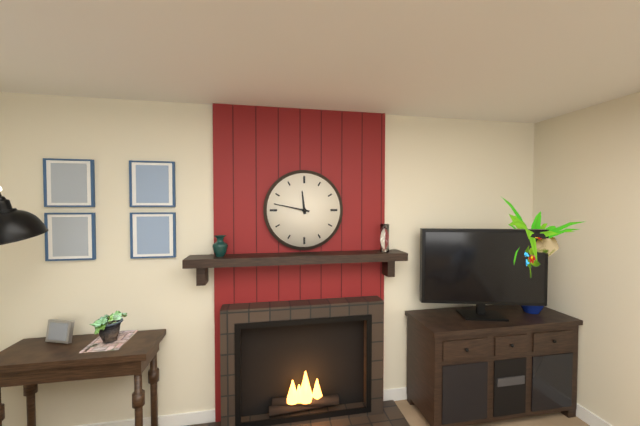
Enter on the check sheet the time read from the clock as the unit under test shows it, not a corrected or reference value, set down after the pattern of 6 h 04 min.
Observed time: 11 h 47 min
